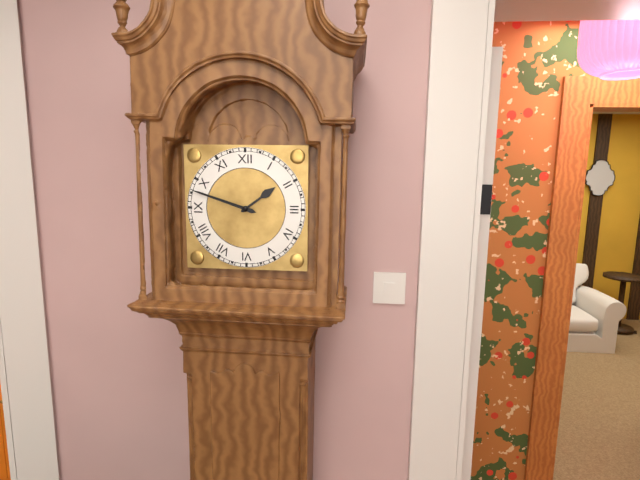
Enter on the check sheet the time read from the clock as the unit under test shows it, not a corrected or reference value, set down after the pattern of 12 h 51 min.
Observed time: 1 h 48 min
